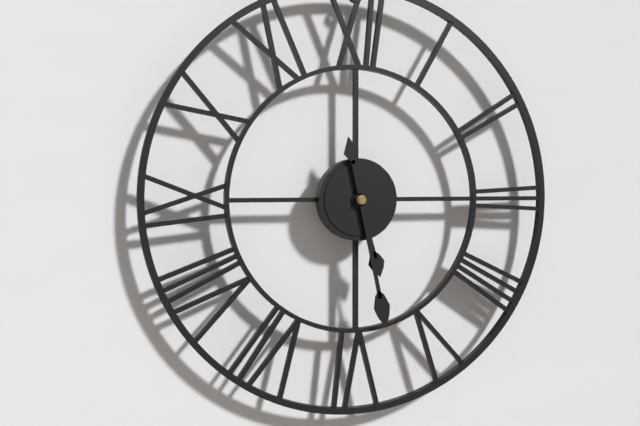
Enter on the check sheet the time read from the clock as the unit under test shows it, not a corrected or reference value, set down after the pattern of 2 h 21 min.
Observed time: 5 h 28 min
